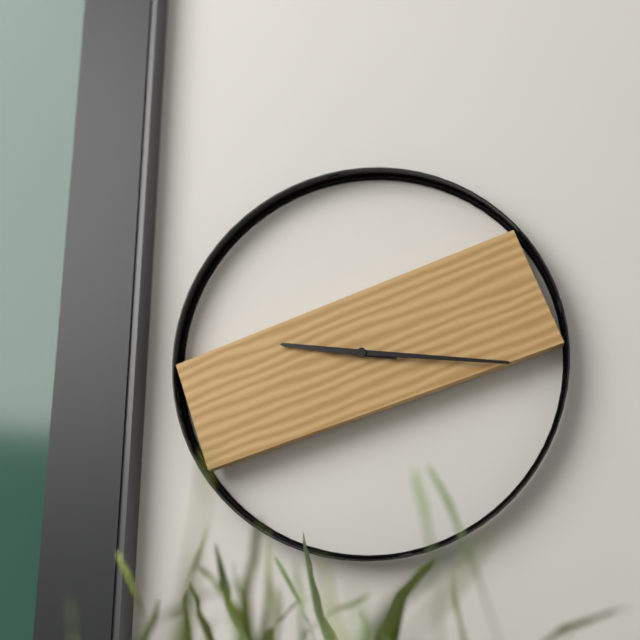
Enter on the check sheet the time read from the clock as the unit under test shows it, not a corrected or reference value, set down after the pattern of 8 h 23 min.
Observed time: 9 h 16 min
